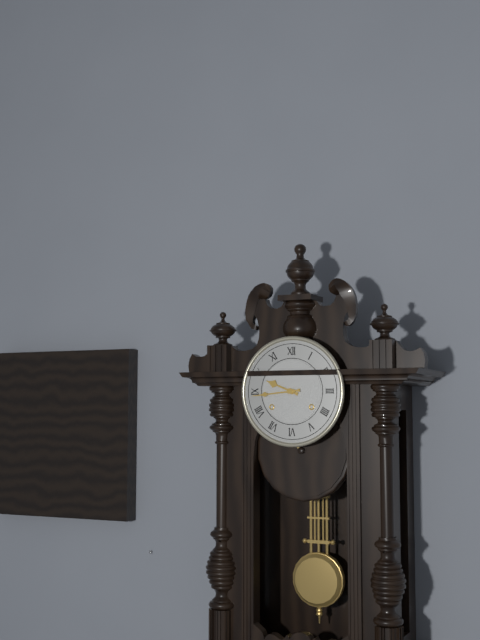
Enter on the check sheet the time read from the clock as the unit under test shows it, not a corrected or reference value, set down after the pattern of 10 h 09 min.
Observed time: 9 h 44 min
